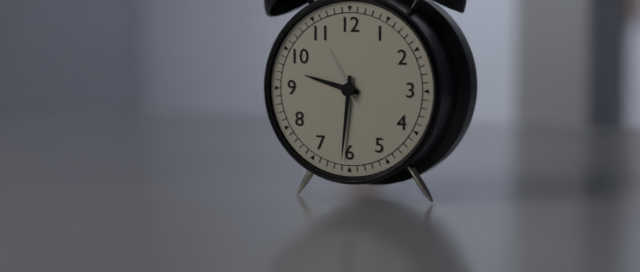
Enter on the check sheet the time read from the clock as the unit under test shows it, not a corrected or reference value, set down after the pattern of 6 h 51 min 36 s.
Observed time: 9 h 31 min 55 s
